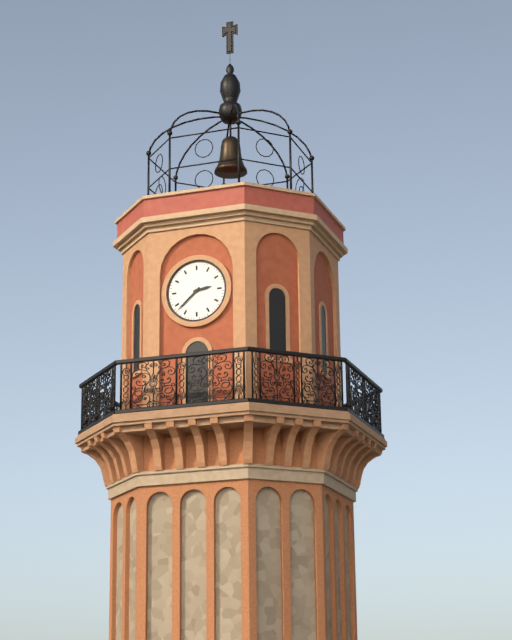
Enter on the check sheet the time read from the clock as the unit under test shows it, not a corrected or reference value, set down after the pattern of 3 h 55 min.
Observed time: 2 h 38 min
